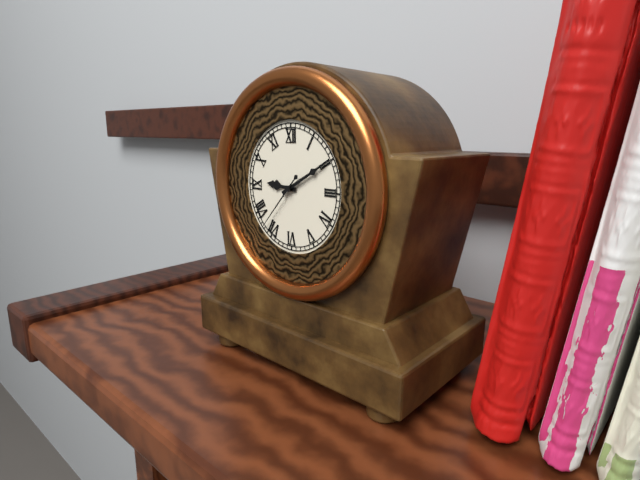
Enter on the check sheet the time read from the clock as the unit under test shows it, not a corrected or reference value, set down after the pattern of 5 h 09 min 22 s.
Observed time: 9 h 10 min 37 s
